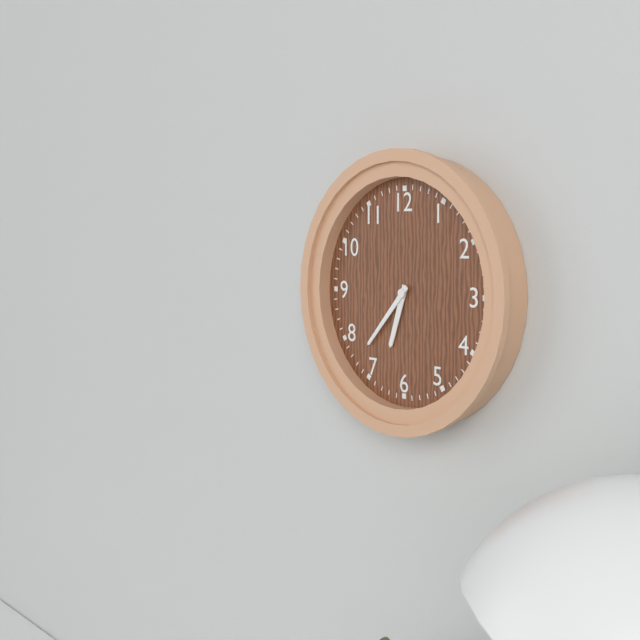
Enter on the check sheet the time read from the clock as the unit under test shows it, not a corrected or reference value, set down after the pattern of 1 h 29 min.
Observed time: 6 h 37 min
